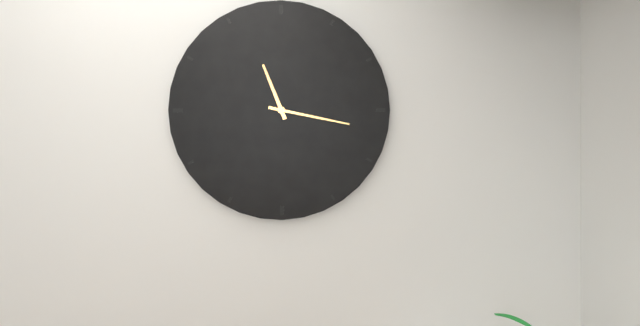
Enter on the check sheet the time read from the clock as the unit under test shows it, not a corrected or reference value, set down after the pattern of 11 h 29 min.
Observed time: 11 h 17 min
